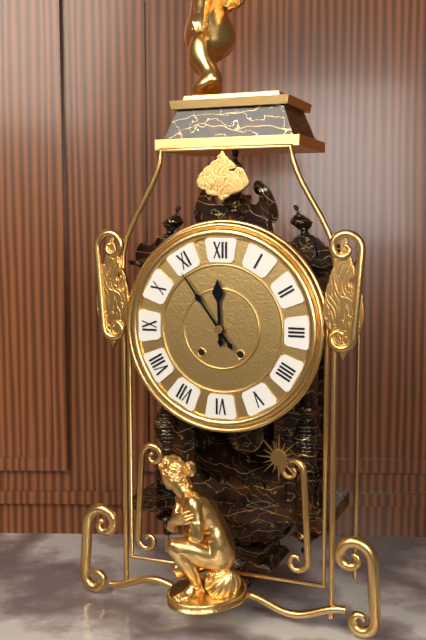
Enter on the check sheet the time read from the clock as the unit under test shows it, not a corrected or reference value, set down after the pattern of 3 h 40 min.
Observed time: 11 h 54 min
